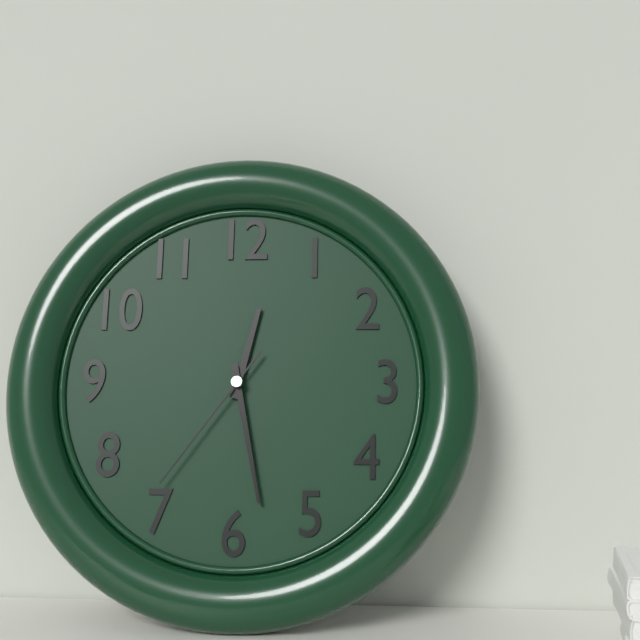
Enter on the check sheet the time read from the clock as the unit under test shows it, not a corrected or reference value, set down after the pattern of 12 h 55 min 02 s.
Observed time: 12 h 28 min 36 s
